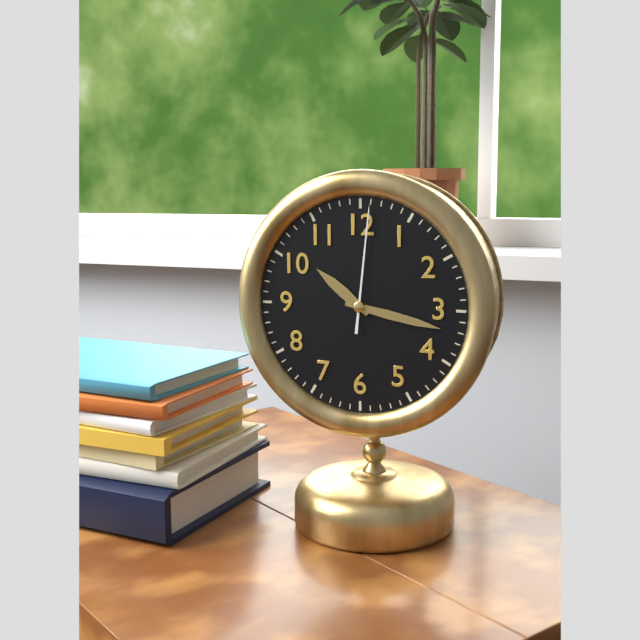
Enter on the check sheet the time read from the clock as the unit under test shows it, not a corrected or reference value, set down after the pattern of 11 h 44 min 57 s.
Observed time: 10 h 17 min 01 s
